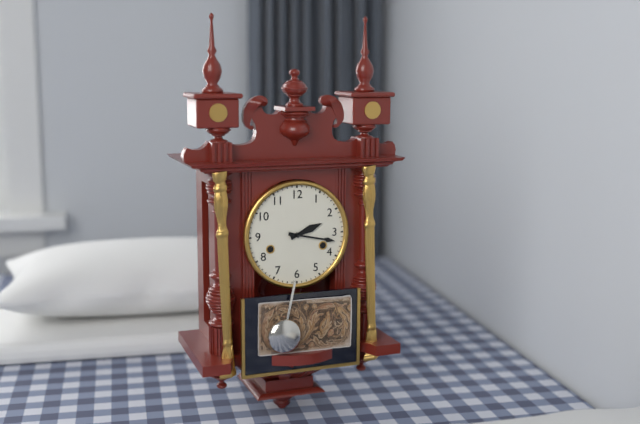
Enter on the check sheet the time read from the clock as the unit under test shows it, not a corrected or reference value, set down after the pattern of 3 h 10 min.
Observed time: 2 h 17 min
